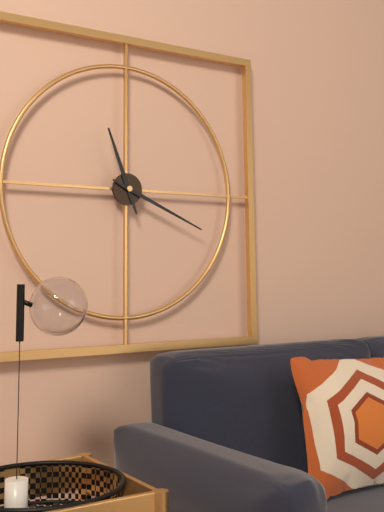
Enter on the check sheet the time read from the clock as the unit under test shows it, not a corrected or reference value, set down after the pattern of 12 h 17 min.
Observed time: 11 h 19 min
